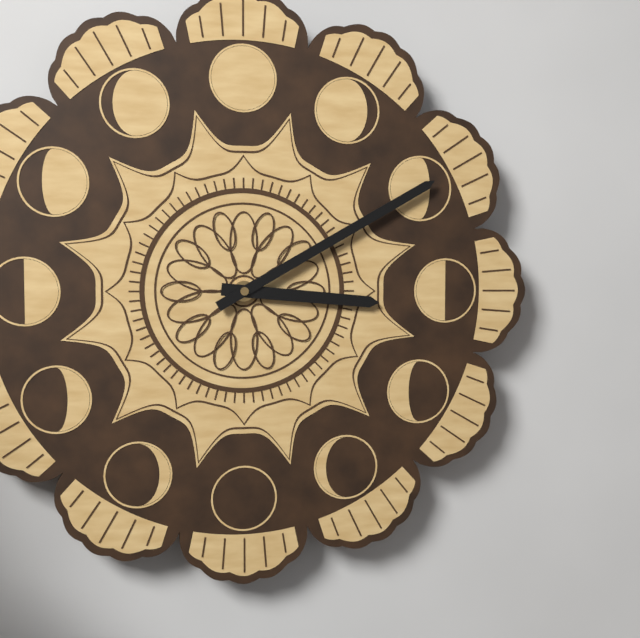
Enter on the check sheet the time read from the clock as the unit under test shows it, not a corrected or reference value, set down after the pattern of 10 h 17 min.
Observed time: 3 h 10 min
